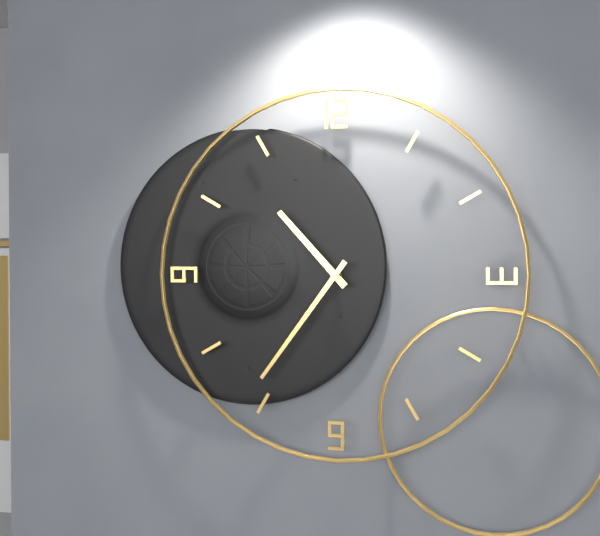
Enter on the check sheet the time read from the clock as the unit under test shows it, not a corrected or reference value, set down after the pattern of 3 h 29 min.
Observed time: 10 h 36 min
